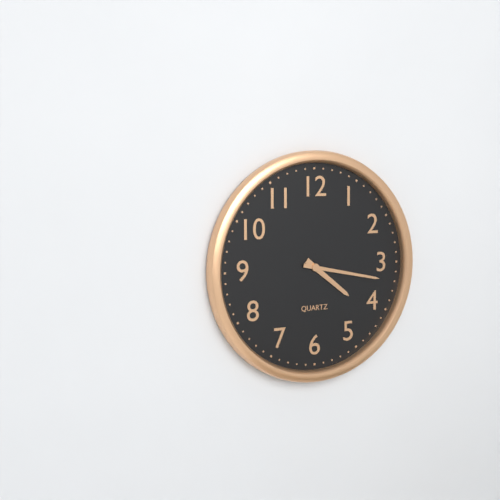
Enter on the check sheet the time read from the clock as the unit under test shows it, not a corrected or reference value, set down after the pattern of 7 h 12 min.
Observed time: 4 h 17 min
